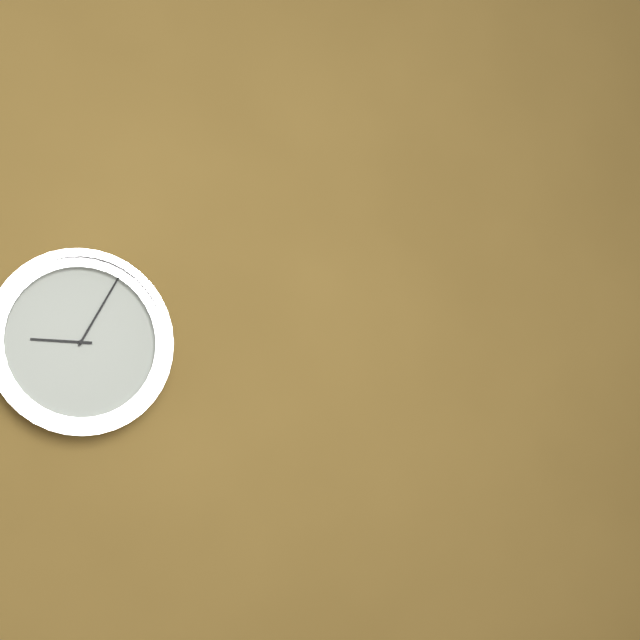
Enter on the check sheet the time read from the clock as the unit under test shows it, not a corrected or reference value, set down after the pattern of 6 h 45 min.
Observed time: 9 h 05 min
